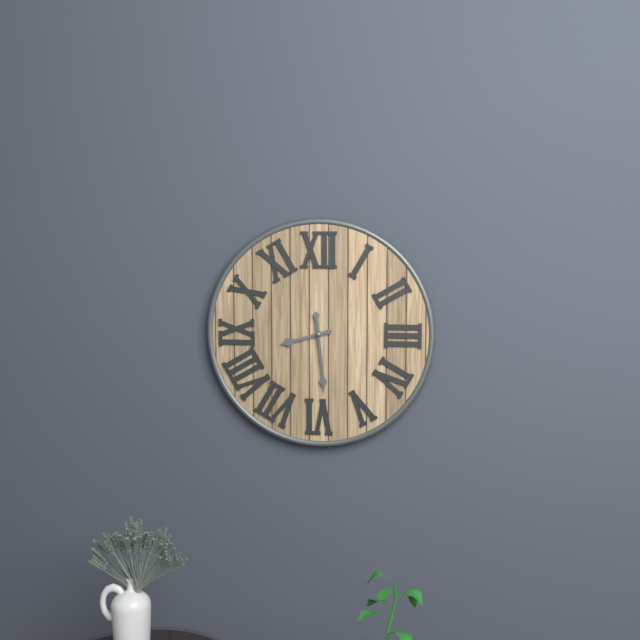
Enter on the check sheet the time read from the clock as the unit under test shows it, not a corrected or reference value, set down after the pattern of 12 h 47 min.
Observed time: 8 h 29 min
